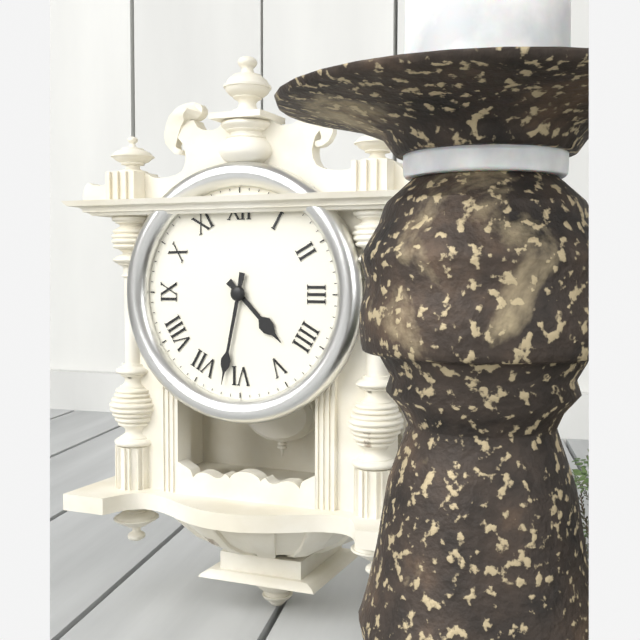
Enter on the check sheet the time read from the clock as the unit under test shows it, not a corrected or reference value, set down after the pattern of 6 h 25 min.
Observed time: 4 h 32 min
